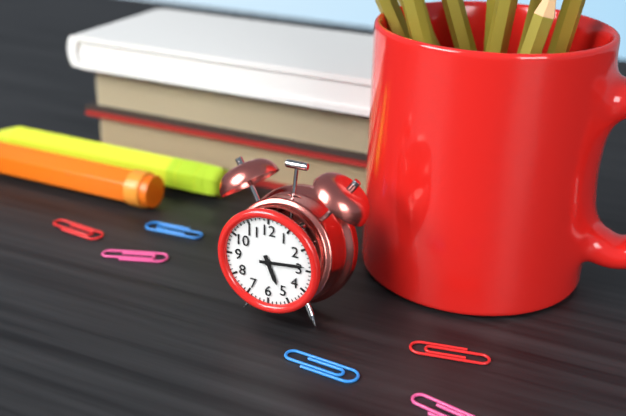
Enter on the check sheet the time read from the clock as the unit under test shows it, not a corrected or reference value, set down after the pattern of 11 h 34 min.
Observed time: 5 h 14 min
